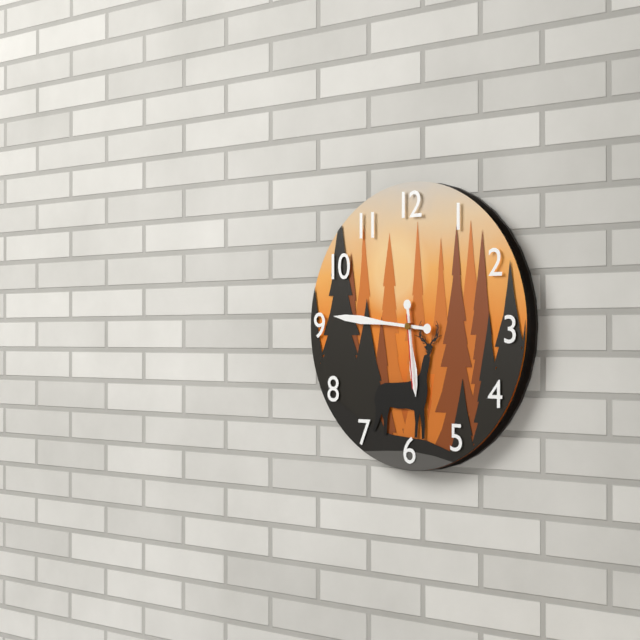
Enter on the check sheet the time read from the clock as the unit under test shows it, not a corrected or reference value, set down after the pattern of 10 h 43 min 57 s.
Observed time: 5 h 46 min 29 s
